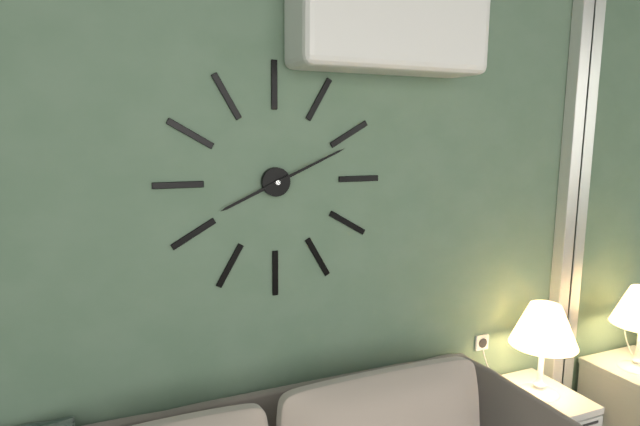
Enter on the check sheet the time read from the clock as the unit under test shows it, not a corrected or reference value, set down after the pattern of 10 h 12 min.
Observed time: 8 h 11 min
